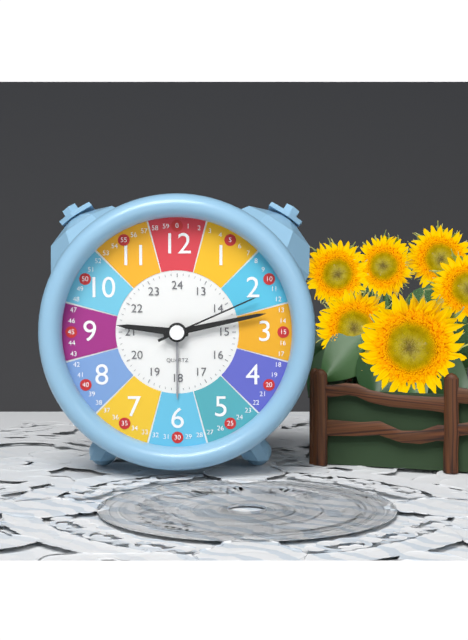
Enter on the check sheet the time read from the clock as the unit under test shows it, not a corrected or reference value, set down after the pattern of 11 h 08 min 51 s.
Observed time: 9 h 13 min 11 s
